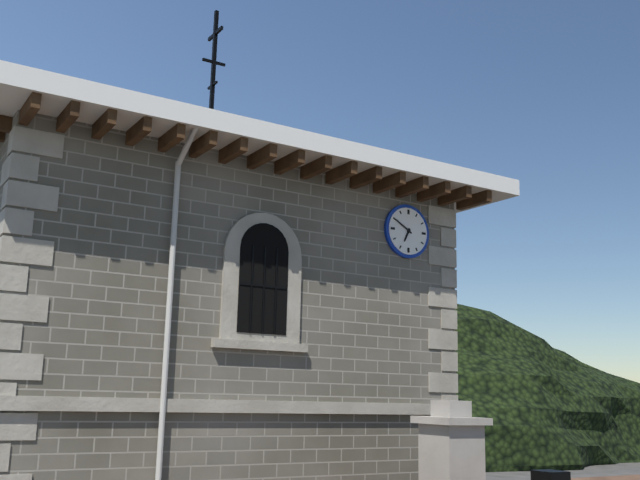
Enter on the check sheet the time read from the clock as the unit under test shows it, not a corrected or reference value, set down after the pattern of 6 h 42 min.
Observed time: 6 h 50 min
